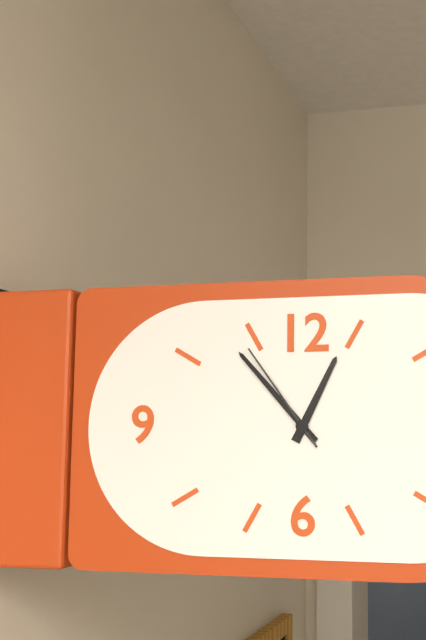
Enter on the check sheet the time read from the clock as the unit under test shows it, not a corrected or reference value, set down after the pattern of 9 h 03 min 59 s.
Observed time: 12 h 53 min 54 s
